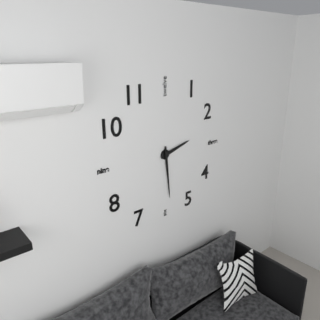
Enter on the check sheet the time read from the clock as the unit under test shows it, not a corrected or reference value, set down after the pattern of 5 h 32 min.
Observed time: 2 h 29 min
